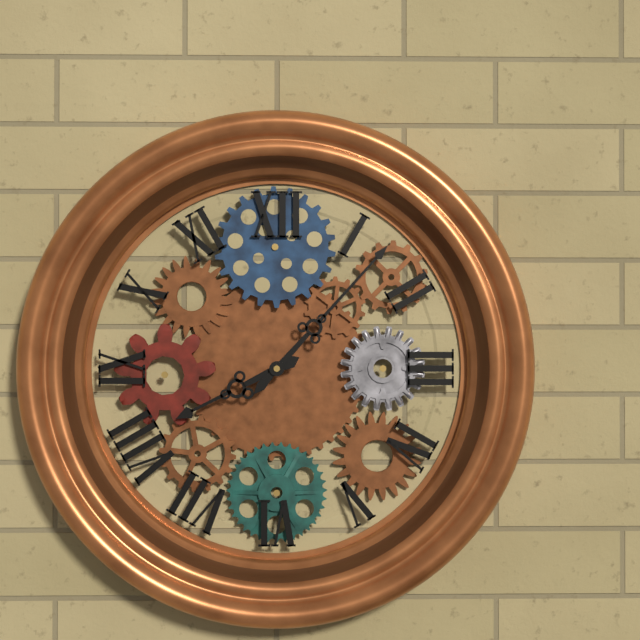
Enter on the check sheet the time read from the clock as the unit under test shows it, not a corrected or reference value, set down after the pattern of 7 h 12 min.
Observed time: 8 h 07 min
